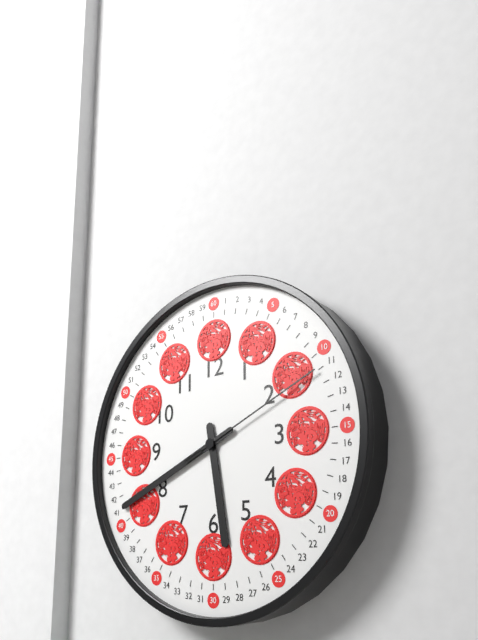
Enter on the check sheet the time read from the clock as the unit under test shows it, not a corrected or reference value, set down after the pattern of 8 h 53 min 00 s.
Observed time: 5 h 41 min 11 s
